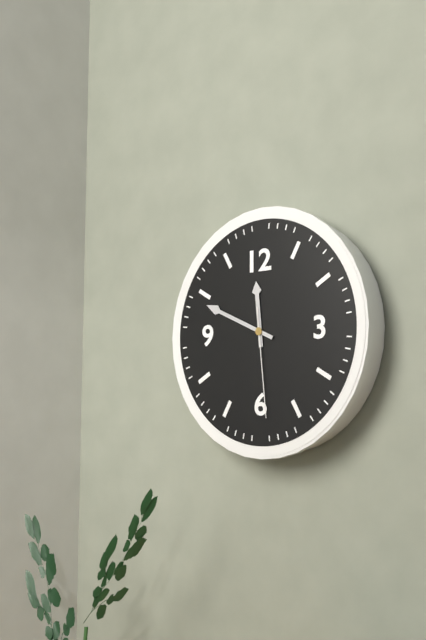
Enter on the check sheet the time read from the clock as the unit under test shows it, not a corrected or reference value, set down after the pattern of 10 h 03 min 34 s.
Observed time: 11 h 49 min 29 s
